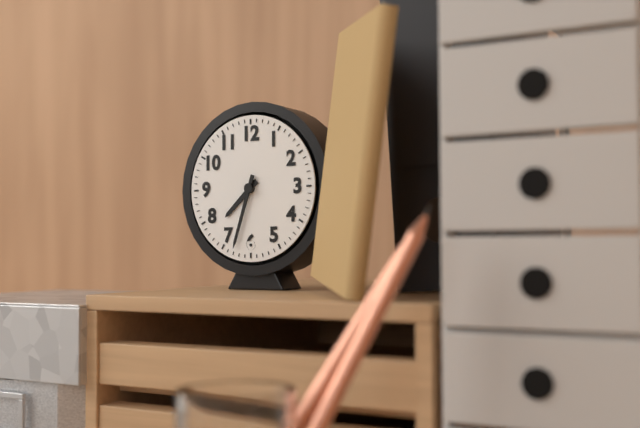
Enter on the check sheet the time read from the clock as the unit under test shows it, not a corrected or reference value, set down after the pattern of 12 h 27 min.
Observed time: 7 h 33 min
